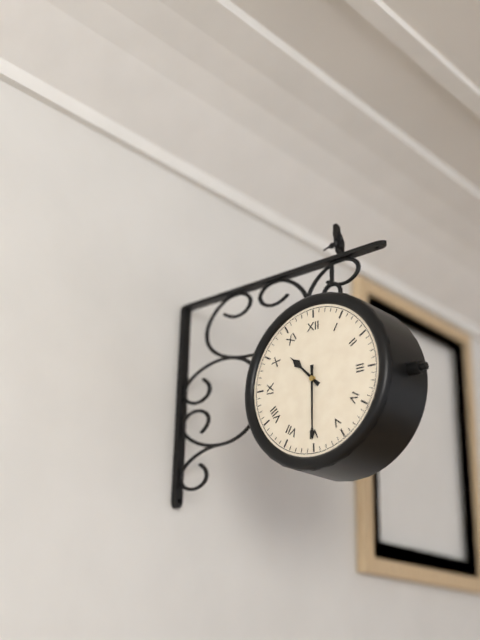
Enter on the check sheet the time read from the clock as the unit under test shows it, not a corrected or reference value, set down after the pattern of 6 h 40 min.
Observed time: 10 h 30 min
